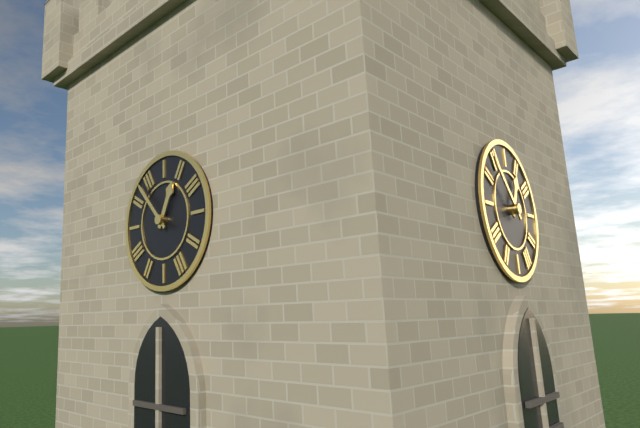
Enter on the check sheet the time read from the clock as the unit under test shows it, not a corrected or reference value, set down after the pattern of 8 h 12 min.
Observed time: 12 h 53 min
